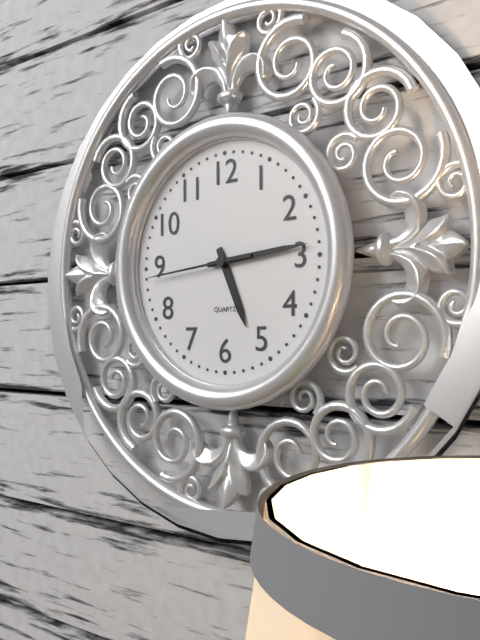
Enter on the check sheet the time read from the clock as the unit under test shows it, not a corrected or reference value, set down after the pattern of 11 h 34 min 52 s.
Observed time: 5 h 14 min 44 s
